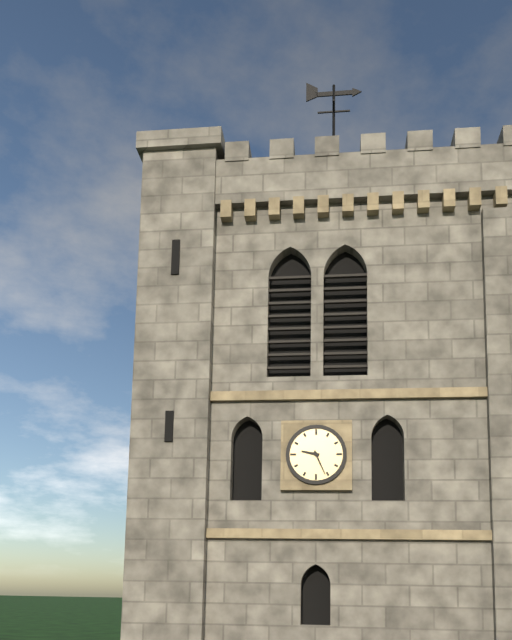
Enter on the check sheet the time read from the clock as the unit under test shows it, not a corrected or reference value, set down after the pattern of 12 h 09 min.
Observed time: 9 h 26 min
